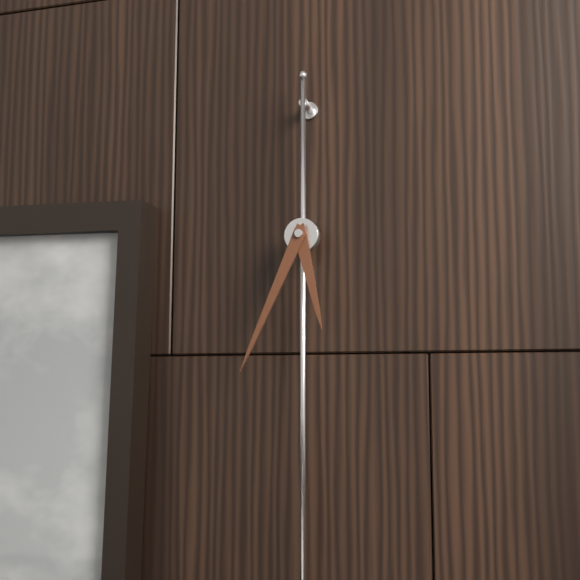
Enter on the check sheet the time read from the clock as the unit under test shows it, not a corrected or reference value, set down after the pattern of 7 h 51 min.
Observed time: 5 h 34 min
